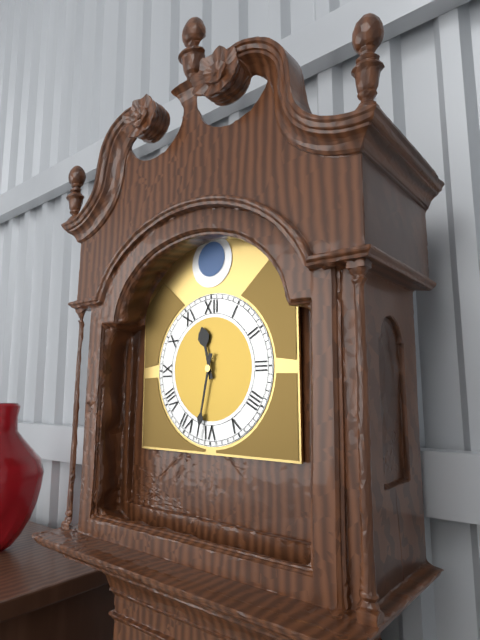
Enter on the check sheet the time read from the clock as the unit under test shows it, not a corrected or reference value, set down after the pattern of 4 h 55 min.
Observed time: 11 h 32 min
